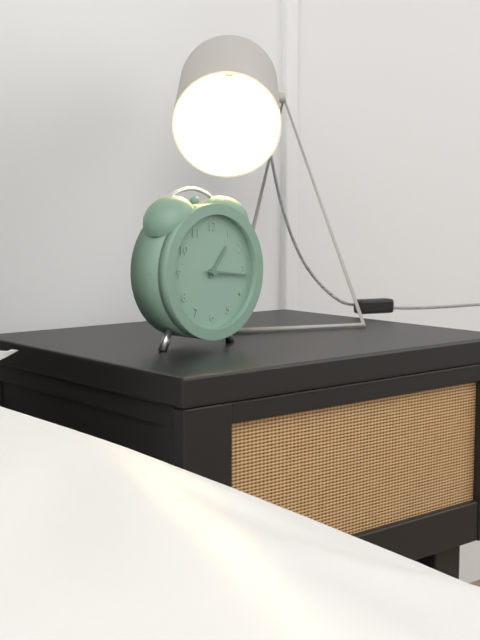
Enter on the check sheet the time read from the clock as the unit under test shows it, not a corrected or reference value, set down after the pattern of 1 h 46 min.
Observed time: 1 h 16 min
